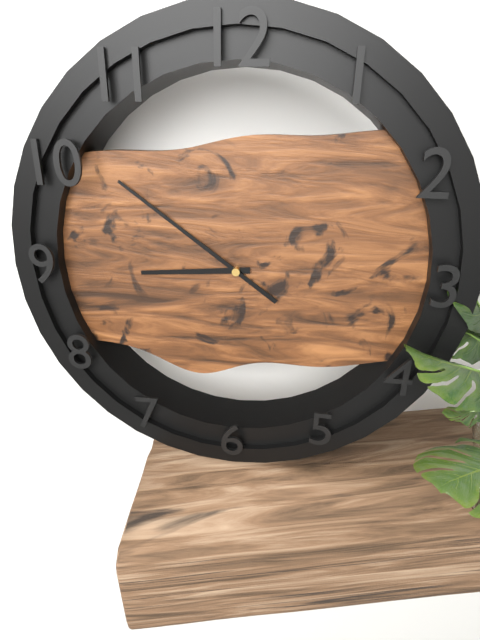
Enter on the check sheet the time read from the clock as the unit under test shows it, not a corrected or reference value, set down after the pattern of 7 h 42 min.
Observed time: 8 h 51 min
